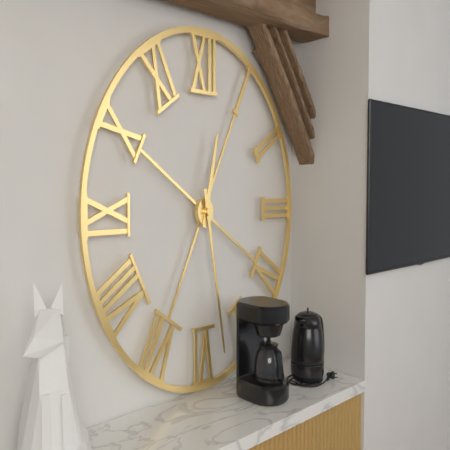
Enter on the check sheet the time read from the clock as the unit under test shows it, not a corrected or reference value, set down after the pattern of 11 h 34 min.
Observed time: 12 h 28 min
